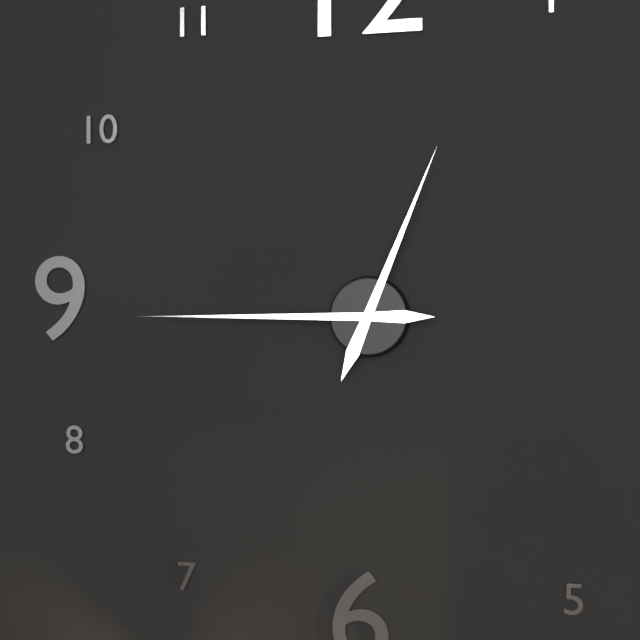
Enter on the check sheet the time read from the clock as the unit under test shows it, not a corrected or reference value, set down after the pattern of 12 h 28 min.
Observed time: 12 h 45 min
